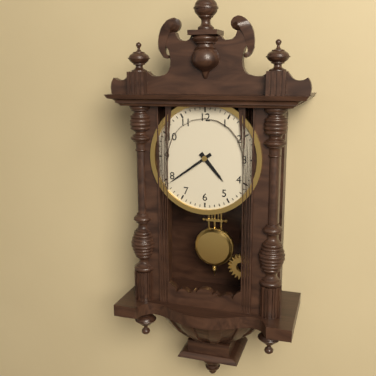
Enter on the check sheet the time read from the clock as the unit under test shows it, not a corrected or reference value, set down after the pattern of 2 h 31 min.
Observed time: 4 h 39 min
